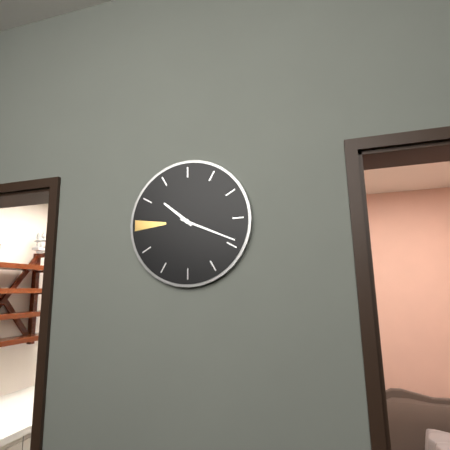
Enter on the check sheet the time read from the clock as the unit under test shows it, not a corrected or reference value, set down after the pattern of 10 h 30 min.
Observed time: 10 h 19 min
